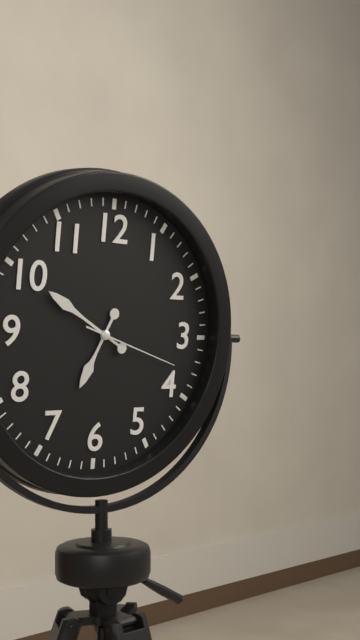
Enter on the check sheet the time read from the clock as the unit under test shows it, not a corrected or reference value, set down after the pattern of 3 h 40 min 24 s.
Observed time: 6 h 50 min 18 s
